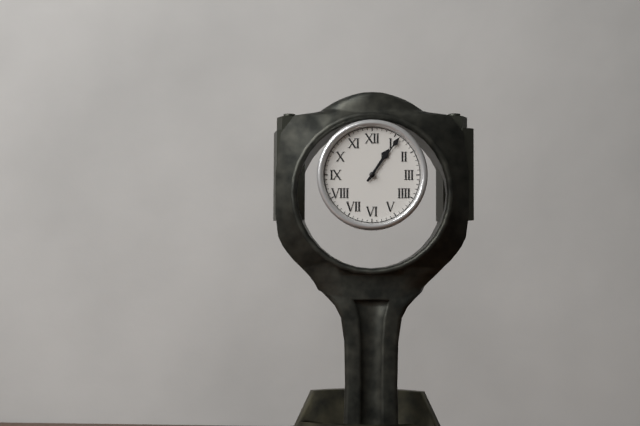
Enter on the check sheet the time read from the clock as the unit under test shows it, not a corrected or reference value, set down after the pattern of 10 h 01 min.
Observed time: 1 h 06 min
